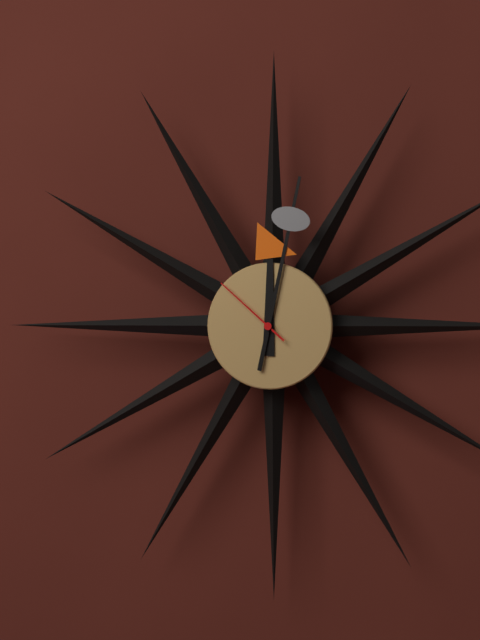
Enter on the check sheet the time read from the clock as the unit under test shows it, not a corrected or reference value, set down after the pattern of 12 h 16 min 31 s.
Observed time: 12 h 02 min 52 s
